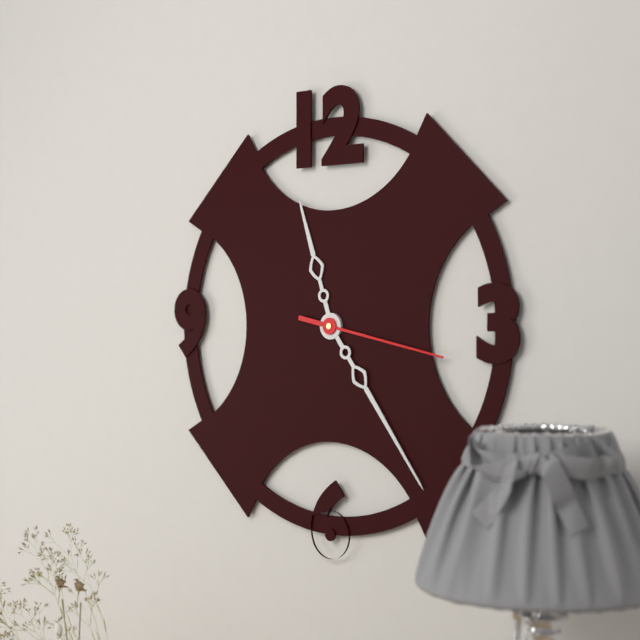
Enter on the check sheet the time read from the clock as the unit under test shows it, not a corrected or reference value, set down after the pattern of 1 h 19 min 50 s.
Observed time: 11 h 24 min 17 s
